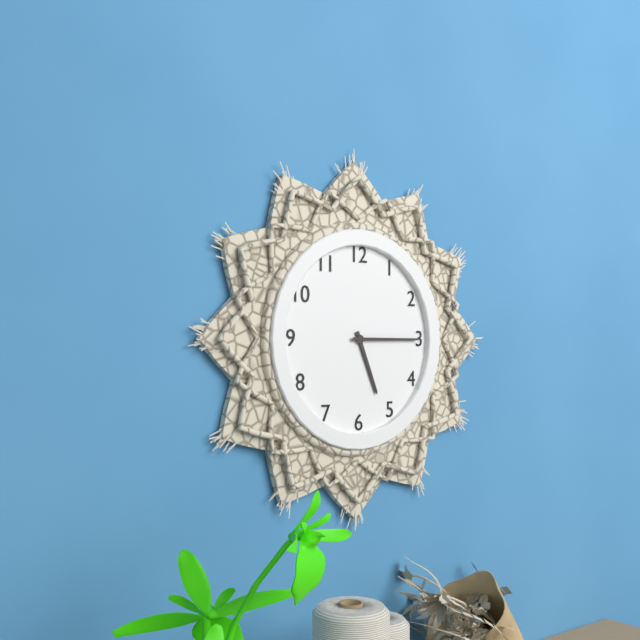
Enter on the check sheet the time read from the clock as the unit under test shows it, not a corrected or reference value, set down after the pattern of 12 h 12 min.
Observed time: 5 h 15 min
